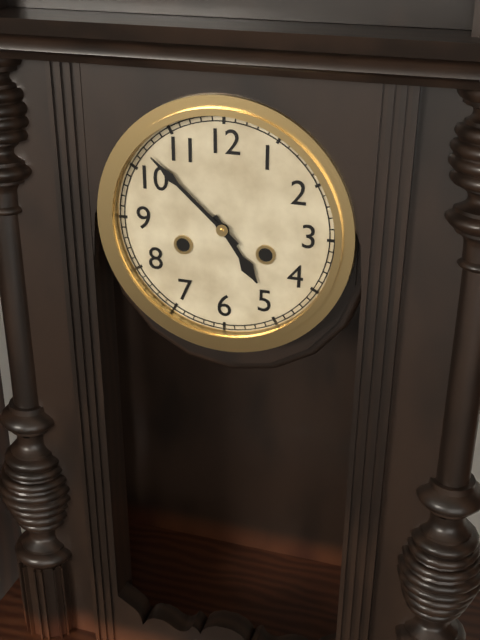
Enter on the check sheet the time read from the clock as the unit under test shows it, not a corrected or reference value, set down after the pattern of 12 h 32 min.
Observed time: 4 h 52 min
